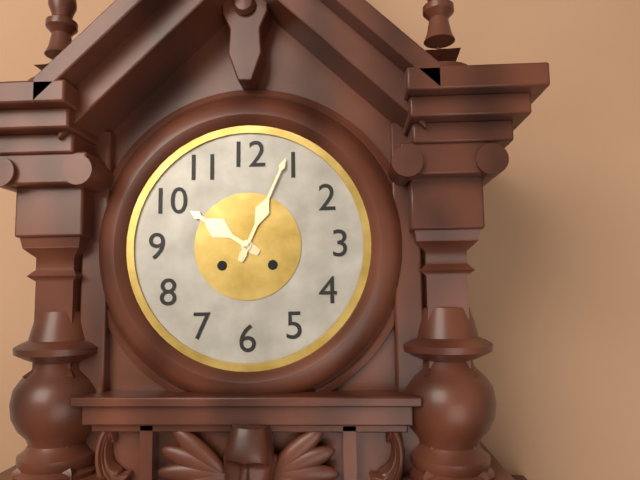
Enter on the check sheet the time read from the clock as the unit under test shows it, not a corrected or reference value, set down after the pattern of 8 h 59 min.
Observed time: 10 h 04 min
